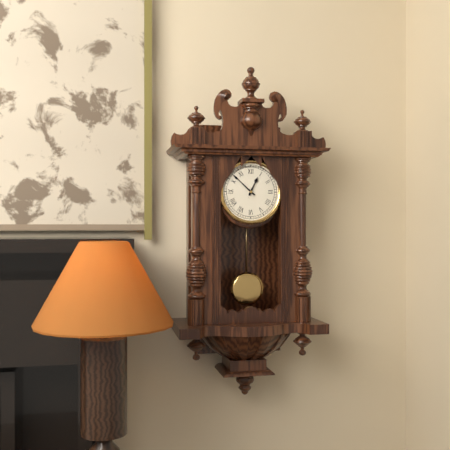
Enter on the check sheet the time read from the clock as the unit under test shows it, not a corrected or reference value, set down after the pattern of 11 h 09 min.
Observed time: 12 h 52 min
